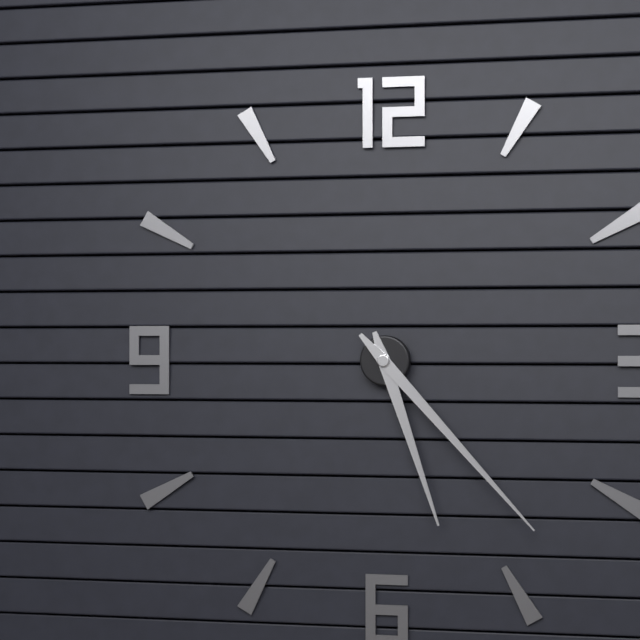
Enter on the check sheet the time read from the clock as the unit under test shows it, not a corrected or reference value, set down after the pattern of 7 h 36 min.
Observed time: 5 h 23 min
